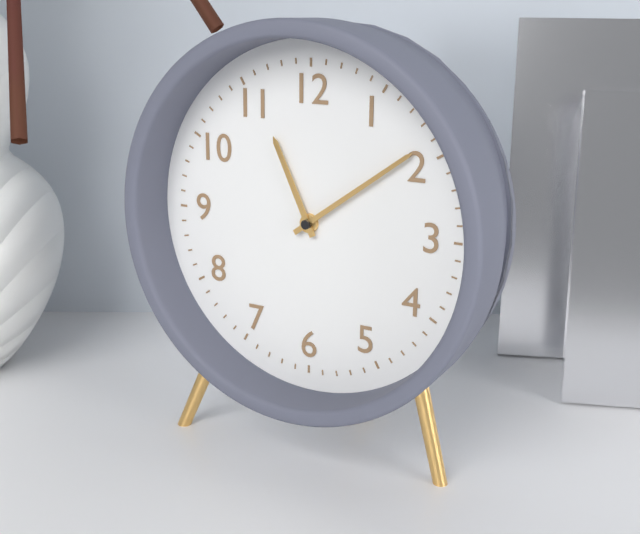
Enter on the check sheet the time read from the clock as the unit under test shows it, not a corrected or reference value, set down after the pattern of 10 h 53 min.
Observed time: 11 h 09 min
